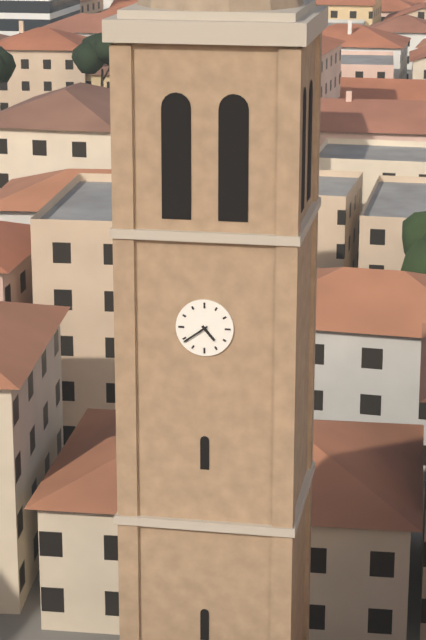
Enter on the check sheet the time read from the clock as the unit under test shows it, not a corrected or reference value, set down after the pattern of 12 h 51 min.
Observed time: 4 h 39 min
